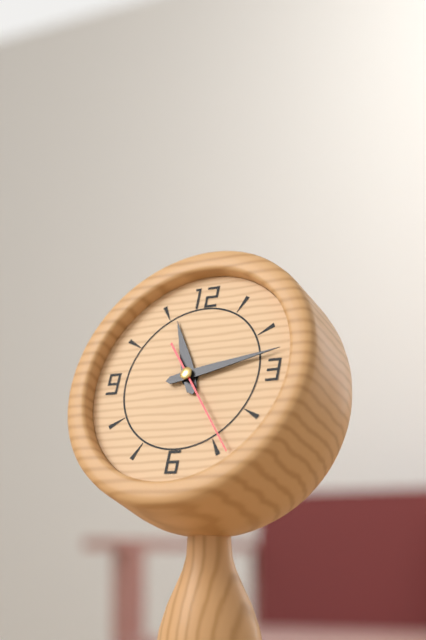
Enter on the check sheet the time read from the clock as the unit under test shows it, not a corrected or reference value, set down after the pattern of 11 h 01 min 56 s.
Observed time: 11 h 13 min 24 s
